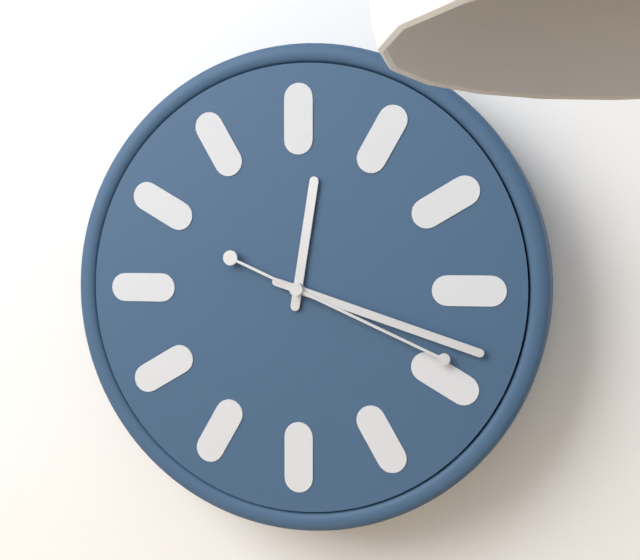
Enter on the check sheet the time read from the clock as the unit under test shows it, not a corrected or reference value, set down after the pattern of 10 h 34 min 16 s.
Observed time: 12 h 18 min 19 s
